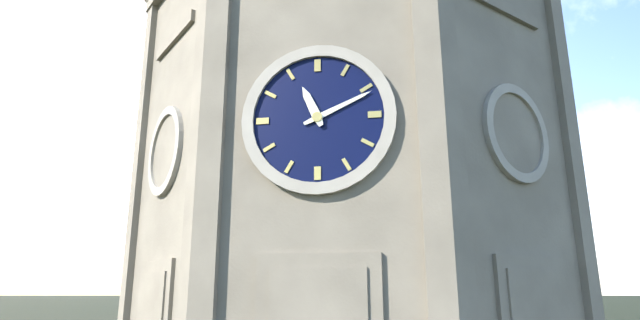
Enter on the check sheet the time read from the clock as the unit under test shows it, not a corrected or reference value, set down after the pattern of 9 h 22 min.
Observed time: 11 h 11 min
